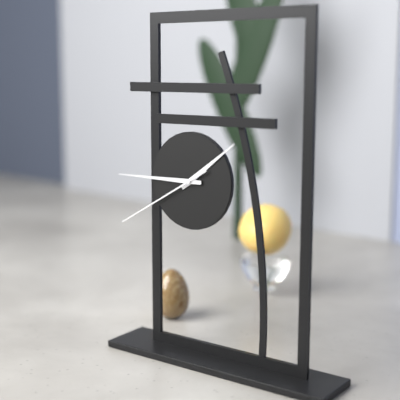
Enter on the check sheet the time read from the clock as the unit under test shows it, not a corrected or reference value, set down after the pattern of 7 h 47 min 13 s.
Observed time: 1 h 45 min 40 s
